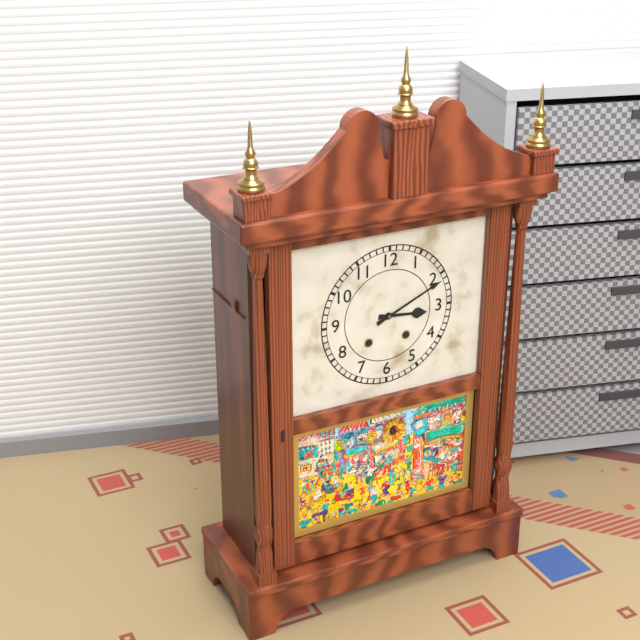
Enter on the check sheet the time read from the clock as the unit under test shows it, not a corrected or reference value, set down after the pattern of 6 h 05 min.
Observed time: 3 h 11 min
